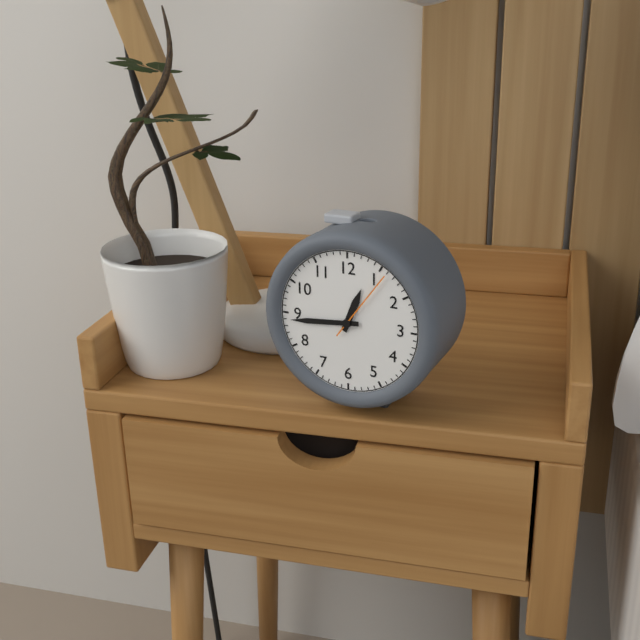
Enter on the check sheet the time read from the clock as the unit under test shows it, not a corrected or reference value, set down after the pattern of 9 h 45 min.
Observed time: 12 h 44 min
